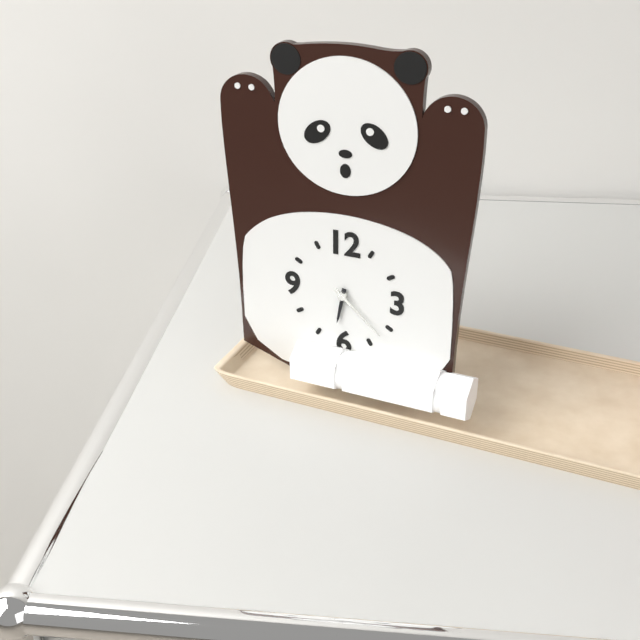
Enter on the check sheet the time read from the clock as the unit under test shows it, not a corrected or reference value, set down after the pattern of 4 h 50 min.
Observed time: 6 h 22 min
